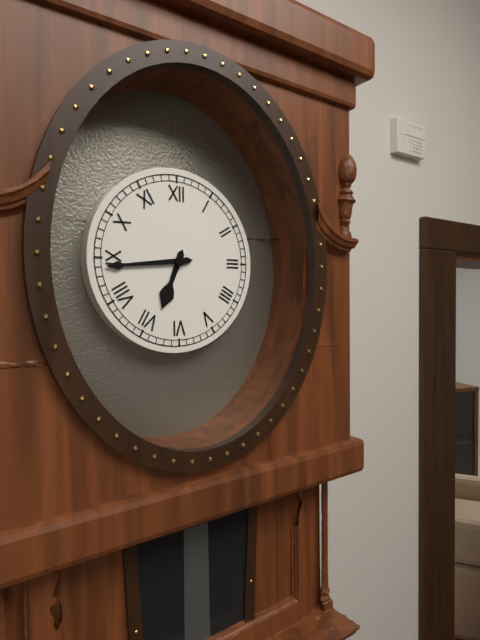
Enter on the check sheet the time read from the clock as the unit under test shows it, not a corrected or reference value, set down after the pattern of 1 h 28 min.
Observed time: 6 h 44 min
